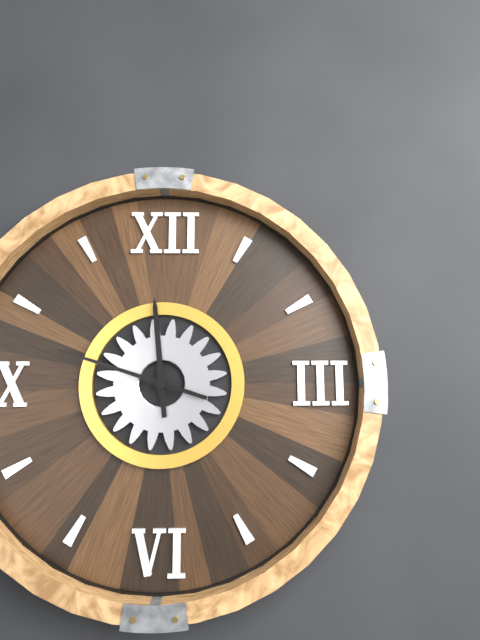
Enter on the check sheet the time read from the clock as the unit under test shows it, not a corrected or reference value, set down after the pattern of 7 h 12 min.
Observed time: 11 h 48 min
